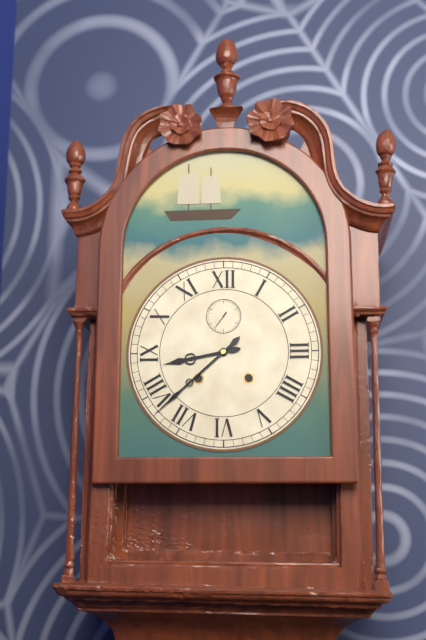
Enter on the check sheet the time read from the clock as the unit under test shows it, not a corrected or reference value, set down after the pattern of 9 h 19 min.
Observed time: 8 h 38 min
